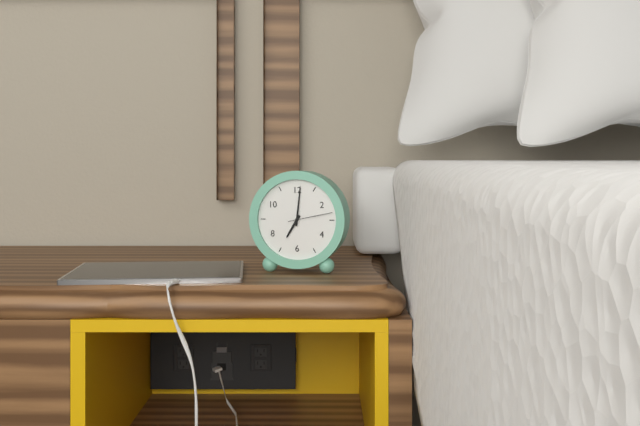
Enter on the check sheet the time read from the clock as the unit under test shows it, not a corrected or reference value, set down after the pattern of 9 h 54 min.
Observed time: 7 h 01 min
